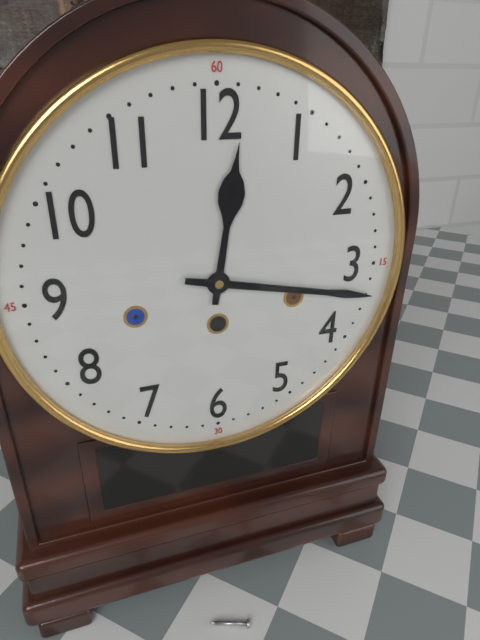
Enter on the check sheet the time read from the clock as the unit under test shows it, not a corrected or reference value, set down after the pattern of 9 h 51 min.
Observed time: 12 h 17 min
